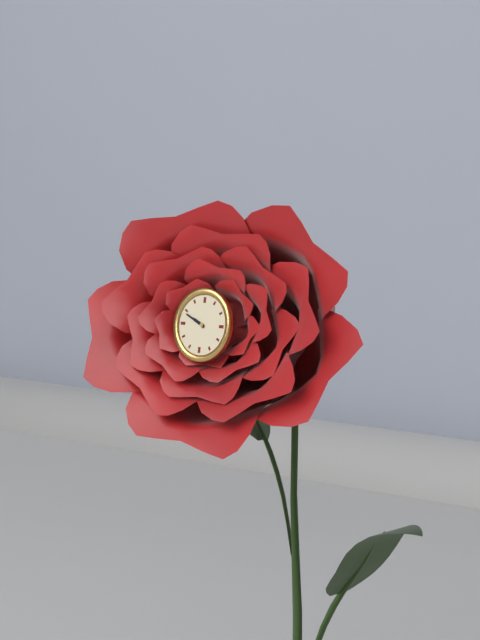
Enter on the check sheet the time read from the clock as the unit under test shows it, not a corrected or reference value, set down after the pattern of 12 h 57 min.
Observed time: 9 h 49 min
